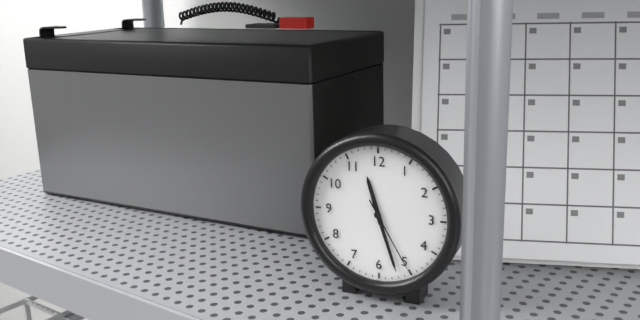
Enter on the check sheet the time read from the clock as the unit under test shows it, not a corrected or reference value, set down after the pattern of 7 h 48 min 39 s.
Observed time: 11 h 27 min 25 s
